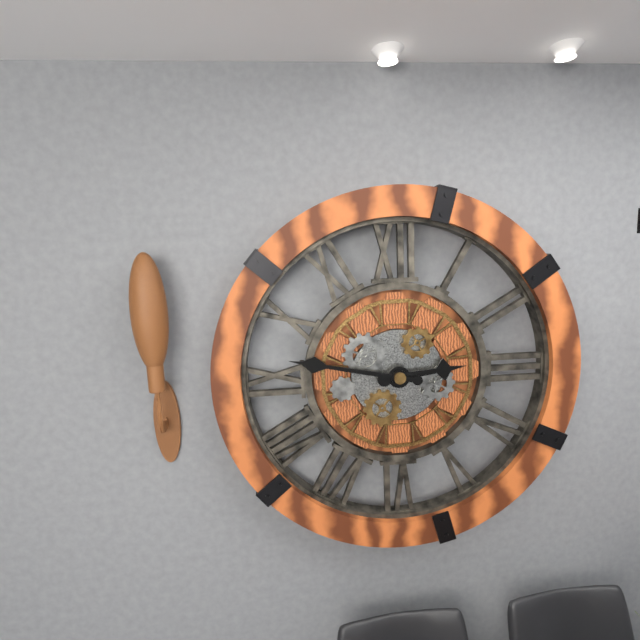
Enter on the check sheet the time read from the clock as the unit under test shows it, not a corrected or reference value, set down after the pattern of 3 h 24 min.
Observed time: 2 h 47 min
